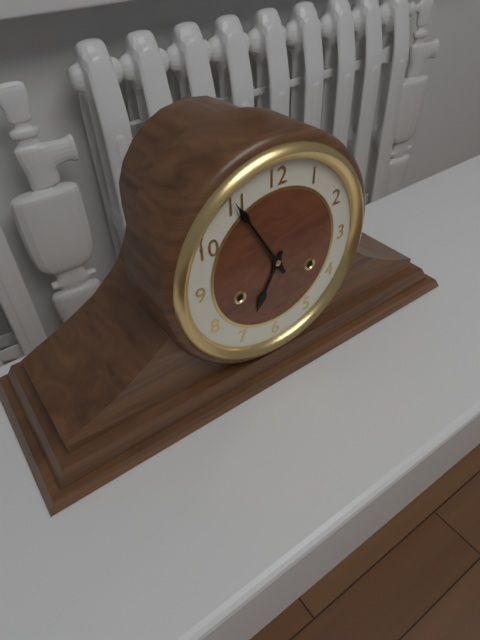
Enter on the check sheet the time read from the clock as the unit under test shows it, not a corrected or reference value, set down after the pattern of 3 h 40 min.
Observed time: 6 h 55 min
